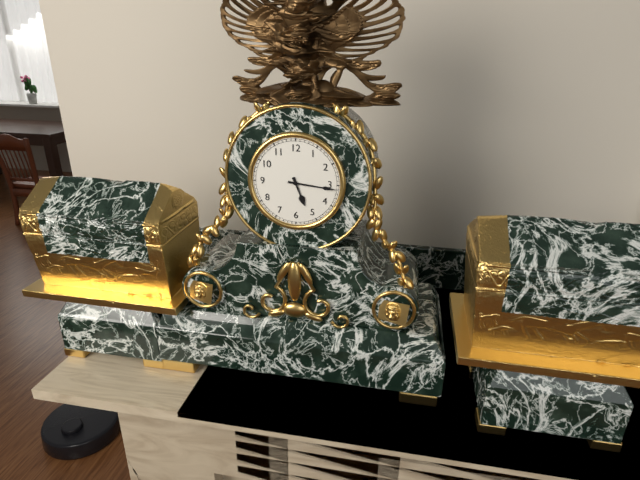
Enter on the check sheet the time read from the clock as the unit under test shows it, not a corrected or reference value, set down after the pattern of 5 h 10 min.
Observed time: 5 h 16 min
